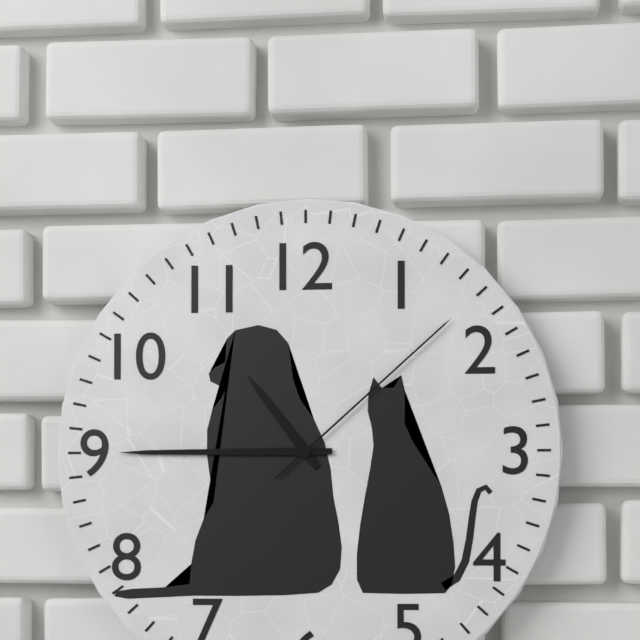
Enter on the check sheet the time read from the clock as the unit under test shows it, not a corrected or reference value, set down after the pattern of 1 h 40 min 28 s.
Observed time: 10 h 45 min 08 s
